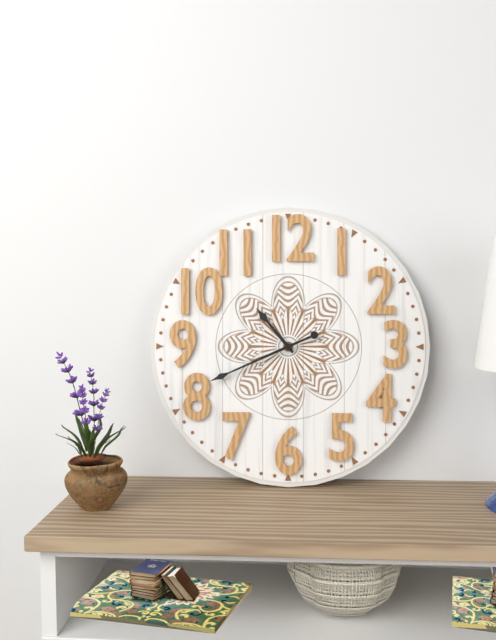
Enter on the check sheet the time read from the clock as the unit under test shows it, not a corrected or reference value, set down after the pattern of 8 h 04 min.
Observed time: 10 h 41 min
